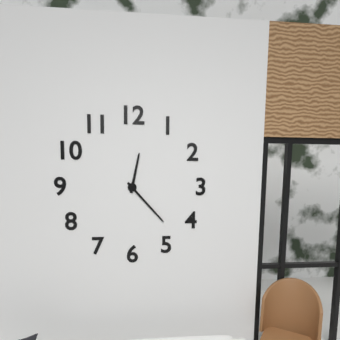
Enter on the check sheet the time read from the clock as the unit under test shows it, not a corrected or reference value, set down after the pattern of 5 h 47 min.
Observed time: 12 h 23 min
